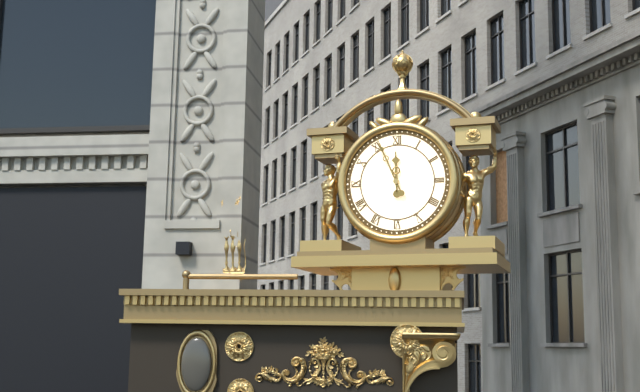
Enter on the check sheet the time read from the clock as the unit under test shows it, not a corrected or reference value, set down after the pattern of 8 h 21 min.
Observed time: 11 h 56 min
